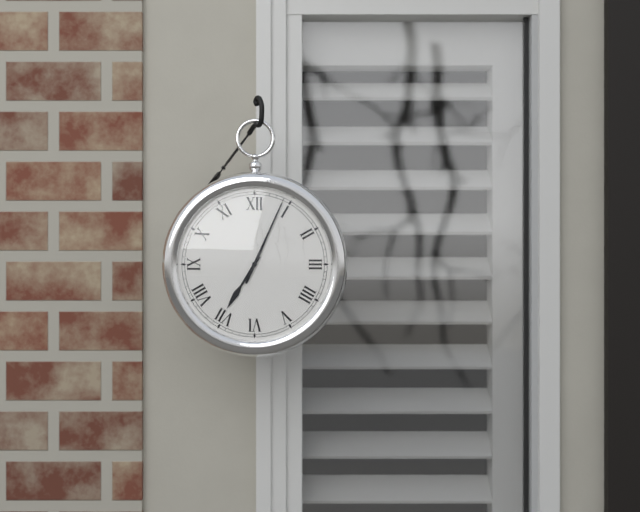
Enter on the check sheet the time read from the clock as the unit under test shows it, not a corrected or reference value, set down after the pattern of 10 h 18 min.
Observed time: 7 h 04 min
